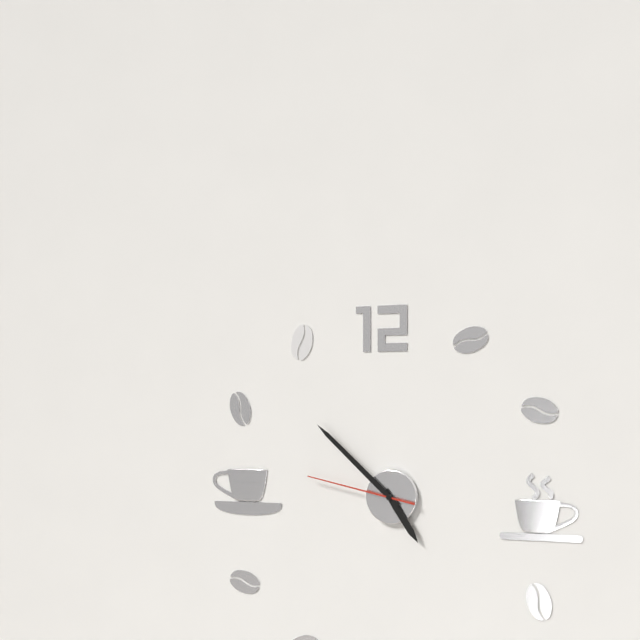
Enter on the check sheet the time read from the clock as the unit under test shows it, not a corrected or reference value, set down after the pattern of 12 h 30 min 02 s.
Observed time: 4 h 52 min 47 s
